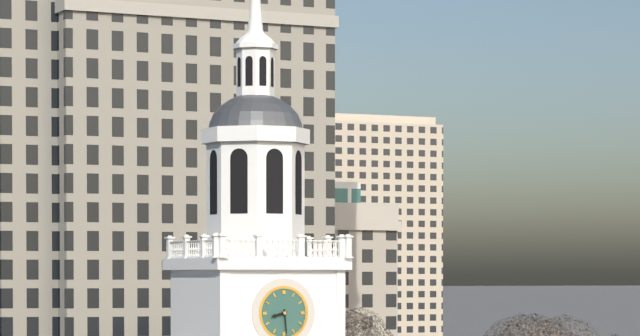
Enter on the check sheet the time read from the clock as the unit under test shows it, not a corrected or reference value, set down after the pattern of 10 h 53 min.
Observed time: 8 h 29 min
